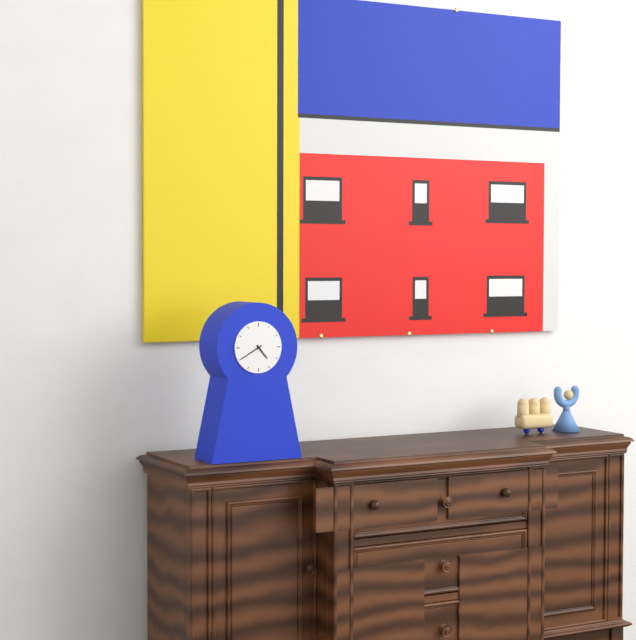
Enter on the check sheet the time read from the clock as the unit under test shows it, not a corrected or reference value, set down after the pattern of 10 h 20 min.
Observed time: 4 h 40 min
